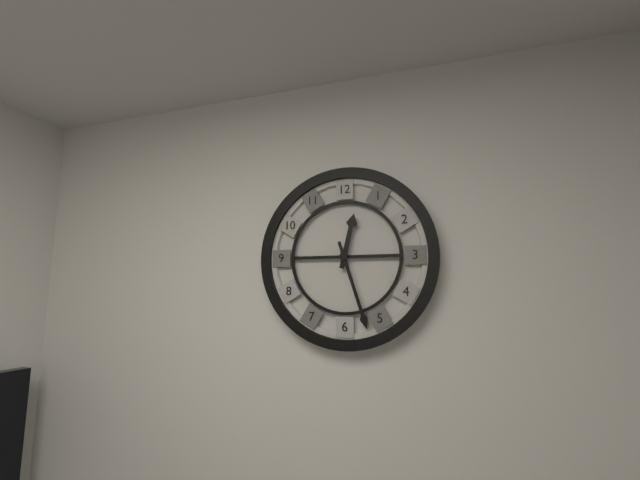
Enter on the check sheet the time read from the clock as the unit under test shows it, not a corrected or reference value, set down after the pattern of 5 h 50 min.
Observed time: 12 h 27 min
